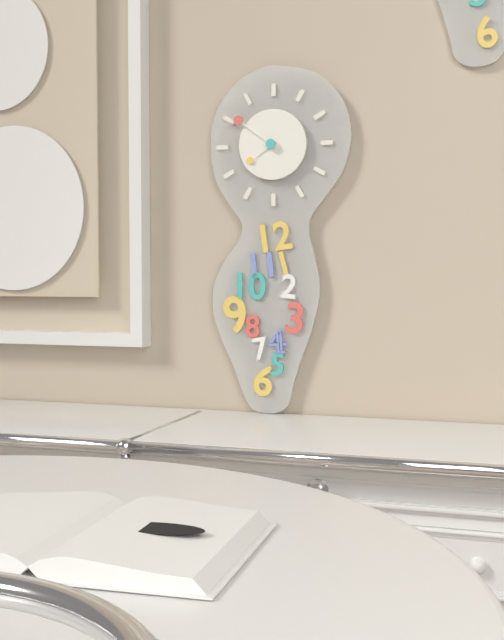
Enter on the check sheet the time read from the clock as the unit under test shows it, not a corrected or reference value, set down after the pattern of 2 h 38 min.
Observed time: 7 h 51 min
